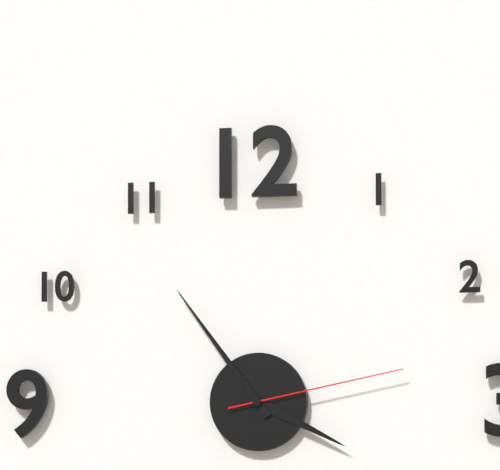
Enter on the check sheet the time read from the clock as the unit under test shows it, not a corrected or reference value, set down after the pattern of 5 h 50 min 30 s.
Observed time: 3 h 54 min 13 s
